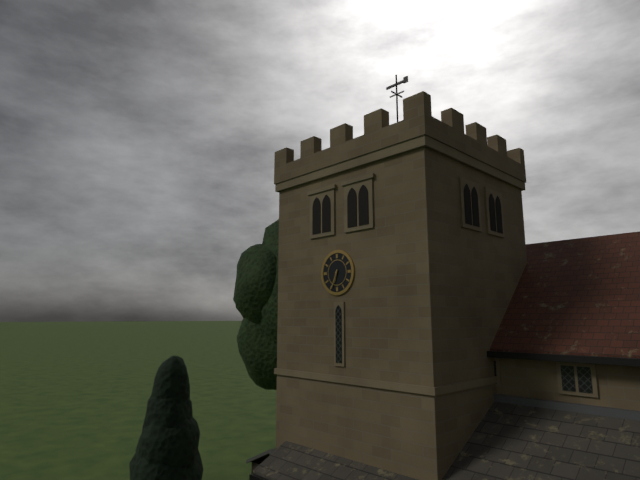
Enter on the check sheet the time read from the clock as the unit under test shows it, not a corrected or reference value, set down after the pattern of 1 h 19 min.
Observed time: 6 h 34 min
